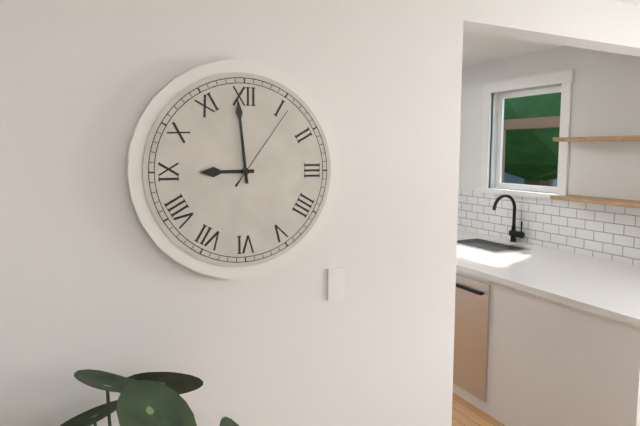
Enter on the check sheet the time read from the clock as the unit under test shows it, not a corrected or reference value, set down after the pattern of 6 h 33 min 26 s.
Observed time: 8 h 59 min 06 s
